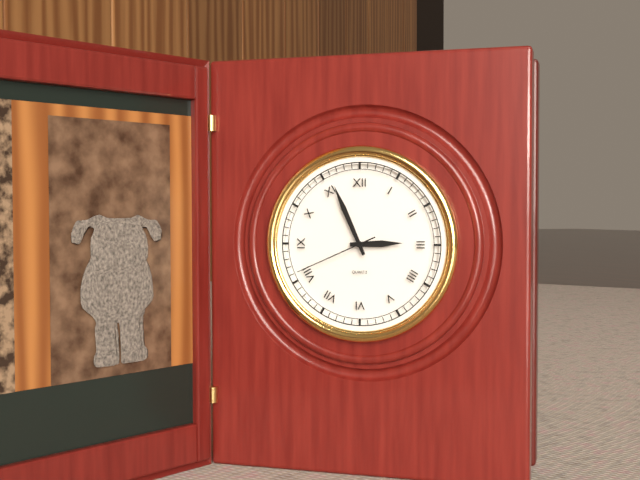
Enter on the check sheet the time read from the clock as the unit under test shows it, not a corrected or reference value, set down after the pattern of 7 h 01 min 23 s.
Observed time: 2 h 56 min 41 s
